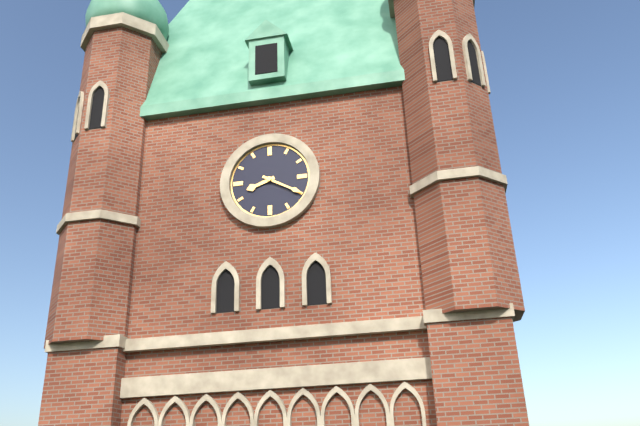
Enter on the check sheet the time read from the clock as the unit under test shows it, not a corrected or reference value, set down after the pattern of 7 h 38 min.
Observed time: 8 h 20 min
